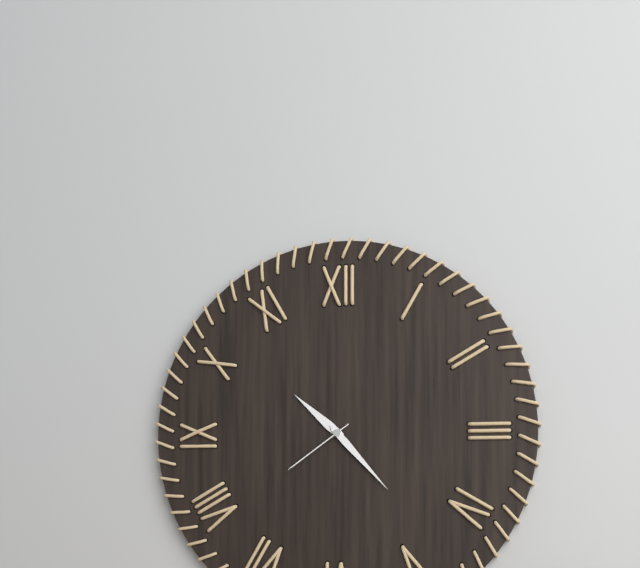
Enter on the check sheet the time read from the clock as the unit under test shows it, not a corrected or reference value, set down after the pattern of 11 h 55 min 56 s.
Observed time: 10 h 23 min 39 s
